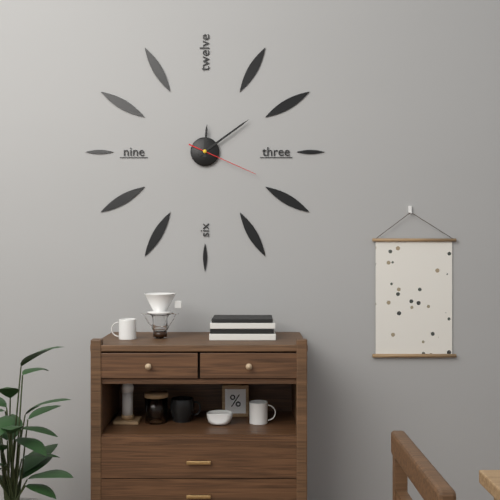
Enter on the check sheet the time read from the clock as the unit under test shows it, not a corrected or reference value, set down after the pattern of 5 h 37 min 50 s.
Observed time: 12 h 09 min 19 s
